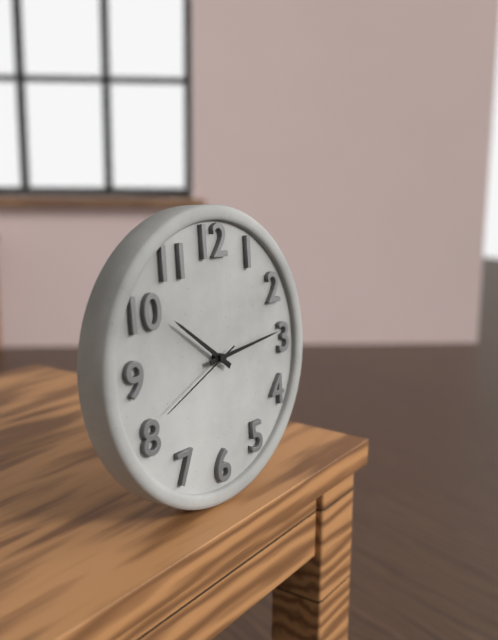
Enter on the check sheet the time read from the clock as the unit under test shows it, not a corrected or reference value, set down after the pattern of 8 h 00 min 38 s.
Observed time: 10 h 14 min 41 s
